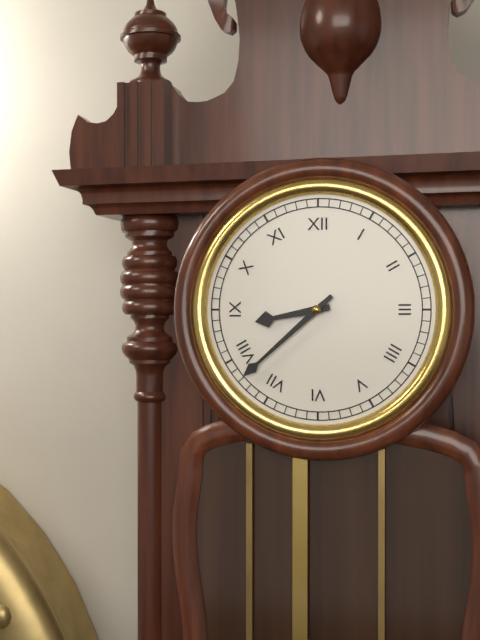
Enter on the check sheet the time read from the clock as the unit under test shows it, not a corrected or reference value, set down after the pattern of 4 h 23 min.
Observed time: 8 h 38 min
